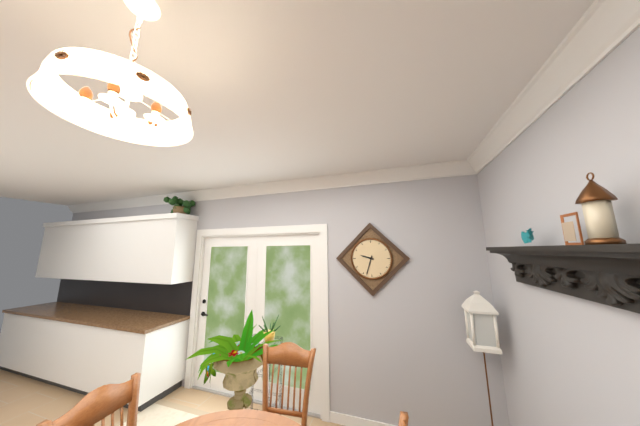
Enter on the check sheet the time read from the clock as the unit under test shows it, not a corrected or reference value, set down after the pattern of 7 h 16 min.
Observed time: 9 h 33 min
